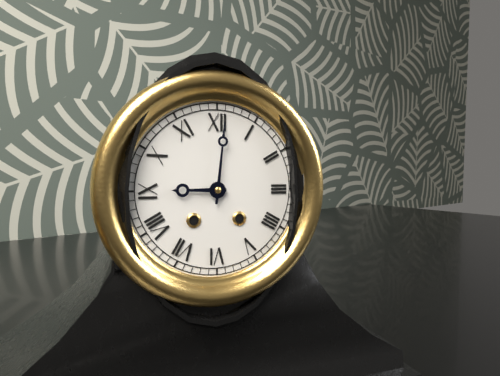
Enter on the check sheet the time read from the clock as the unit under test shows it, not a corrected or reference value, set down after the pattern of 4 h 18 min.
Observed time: 9 h 01 min
